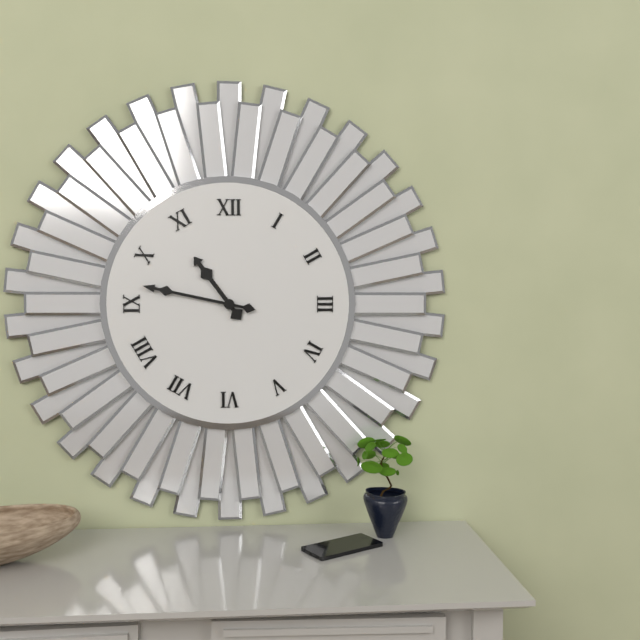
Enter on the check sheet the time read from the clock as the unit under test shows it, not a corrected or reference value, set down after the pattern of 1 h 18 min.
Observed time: 10 h 47 min
